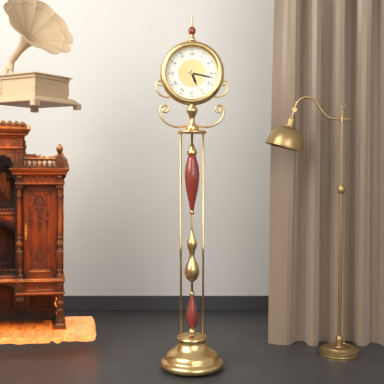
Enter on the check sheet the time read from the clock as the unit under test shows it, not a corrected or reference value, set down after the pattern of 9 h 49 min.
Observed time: 5 h 17 min
